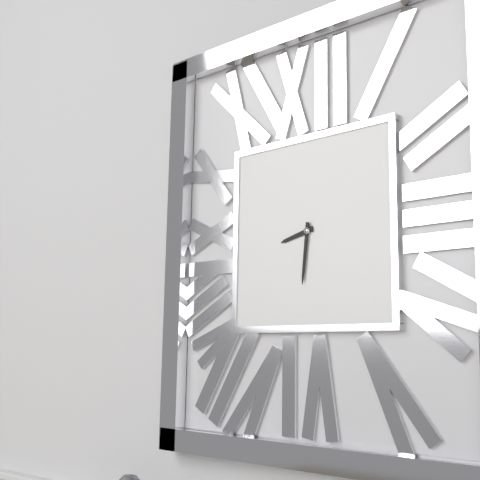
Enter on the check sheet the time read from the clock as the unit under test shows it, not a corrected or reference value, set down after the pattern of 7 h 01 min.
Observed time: 8 h 31 min
